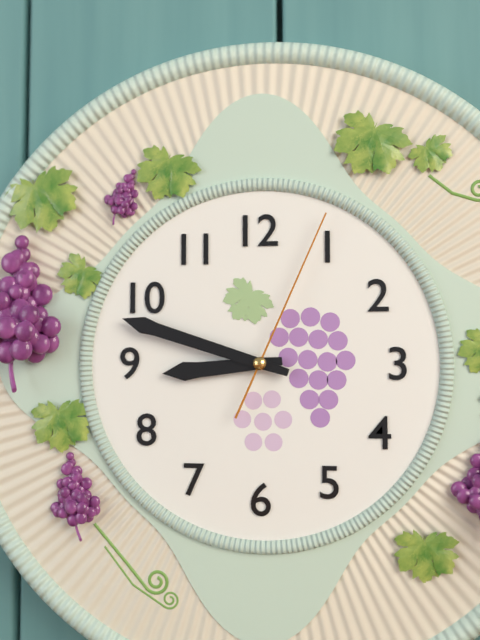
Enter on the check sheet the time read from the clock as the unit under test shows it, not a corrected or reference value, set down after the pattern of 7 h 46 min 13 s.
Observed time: 8 h 48 min 04 s
